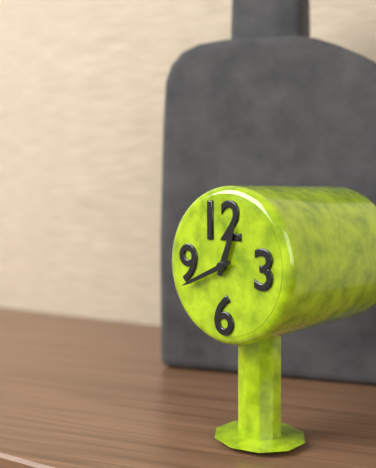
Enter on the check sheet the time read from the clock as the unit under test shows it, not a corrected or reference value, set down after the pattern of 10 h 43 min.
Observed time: 12 h 41 min
